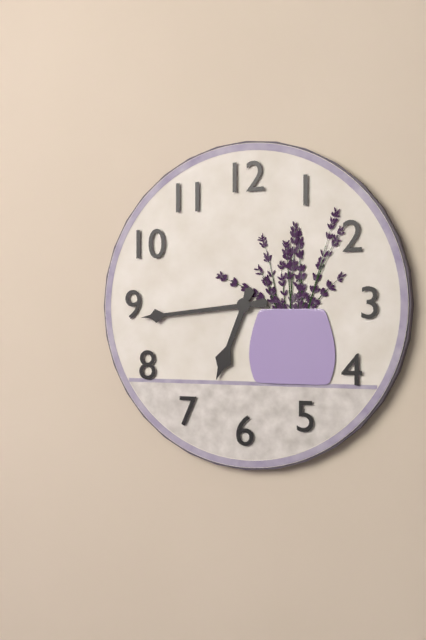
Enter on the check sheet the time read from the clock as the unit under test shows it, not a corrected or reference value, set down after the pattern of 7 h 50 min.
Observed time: 6 h 44 min
